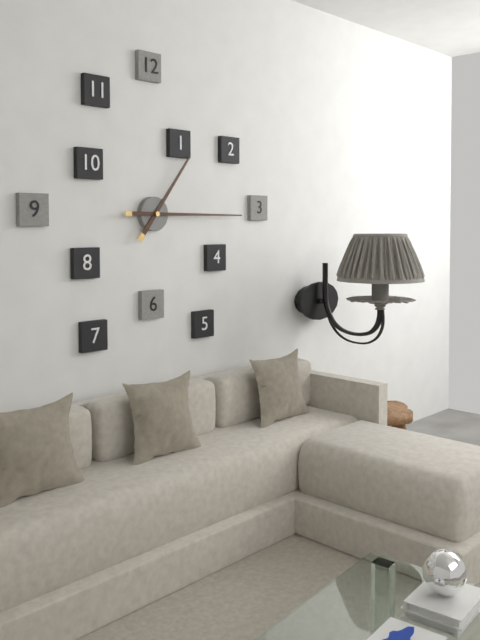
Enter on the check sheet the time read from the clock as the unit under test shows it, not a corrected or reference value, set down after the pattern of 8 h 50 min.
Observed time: 1 h 15 min
